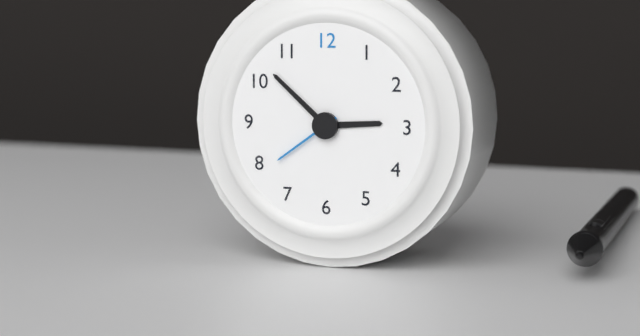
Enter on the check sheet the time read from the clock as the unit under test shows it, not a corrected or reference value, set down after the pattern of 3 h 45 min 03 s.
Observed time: 2 h 52 min 39 s
